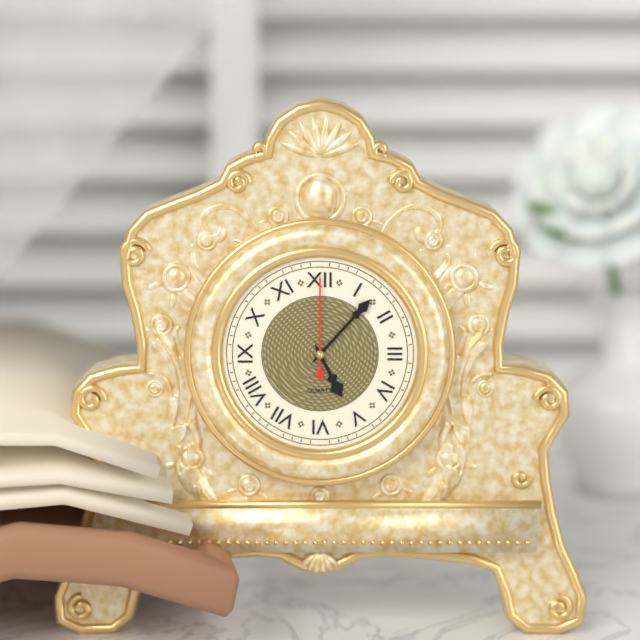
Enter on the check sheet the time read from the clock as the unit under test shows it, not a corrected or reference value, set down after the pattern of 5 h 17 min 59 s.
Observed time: 5 h 07 min 00 s
